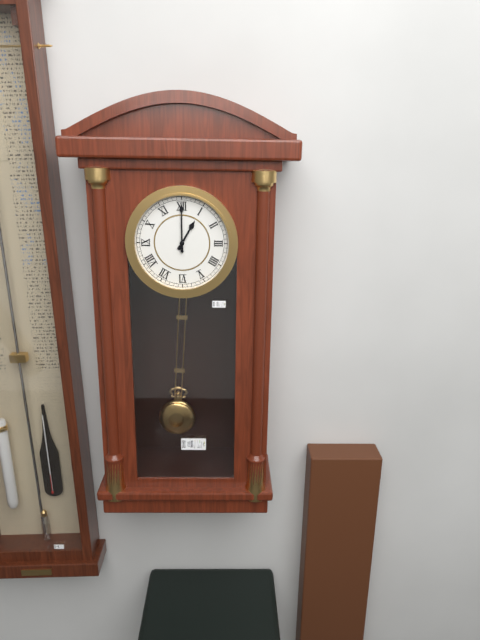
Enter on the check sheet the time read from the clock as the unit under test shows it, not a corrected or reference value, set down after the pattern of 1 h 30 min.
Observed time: 1 h 00 min
